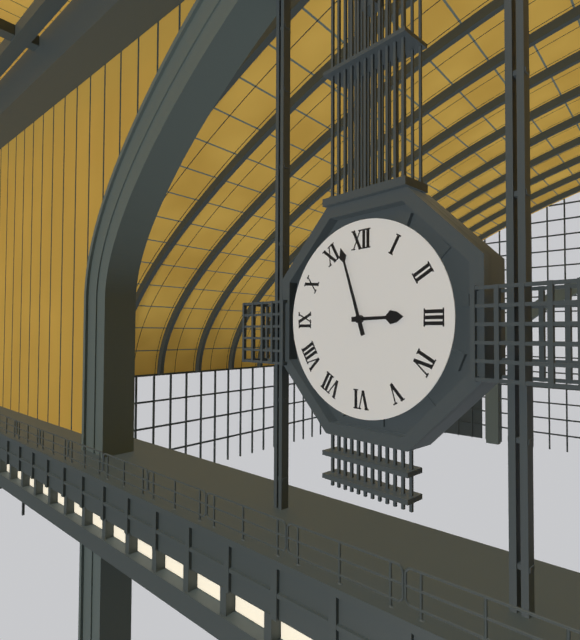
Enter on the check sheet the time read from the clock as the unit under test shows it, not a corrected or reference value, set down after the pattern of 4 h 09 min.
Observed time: 2 h 57 min
